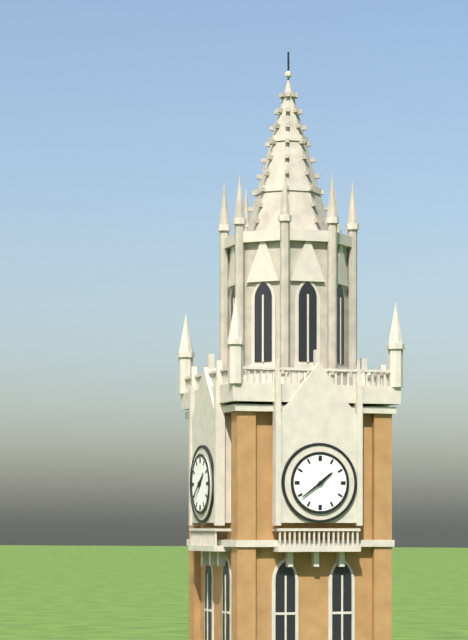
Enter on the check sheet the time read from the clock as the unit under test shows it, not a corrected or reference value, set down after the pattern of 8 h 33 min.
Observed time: 1 h 39 min
